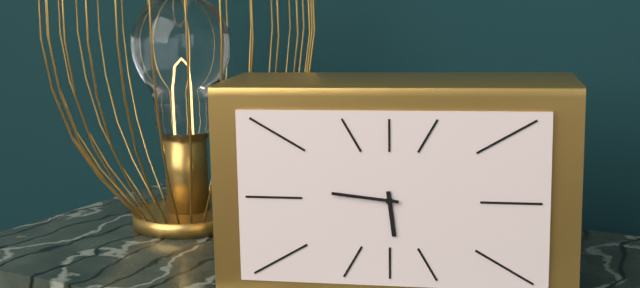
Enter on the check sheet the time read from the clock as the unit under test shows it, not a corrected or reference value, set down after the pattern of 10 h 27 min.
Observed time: 5 h 46 min
